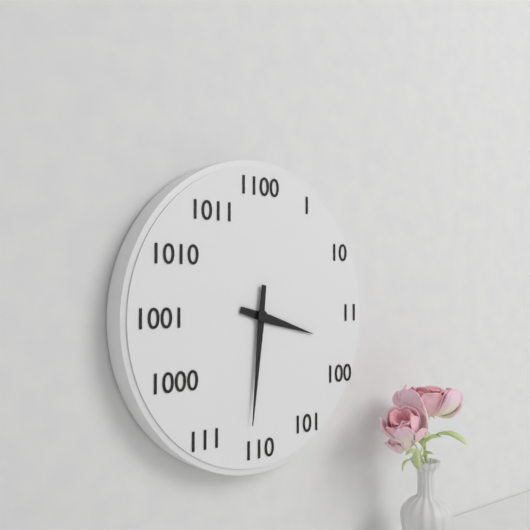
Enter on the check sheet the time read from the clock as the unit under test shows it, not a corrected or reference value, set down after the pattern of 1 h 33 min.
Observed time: 3 h 31 min
